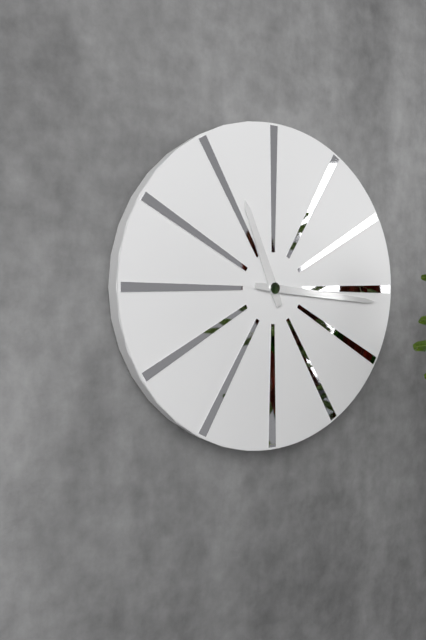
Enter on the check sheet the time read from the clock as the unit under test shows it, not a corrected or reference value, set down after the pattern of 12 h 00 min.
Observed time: 11 h 16 min
